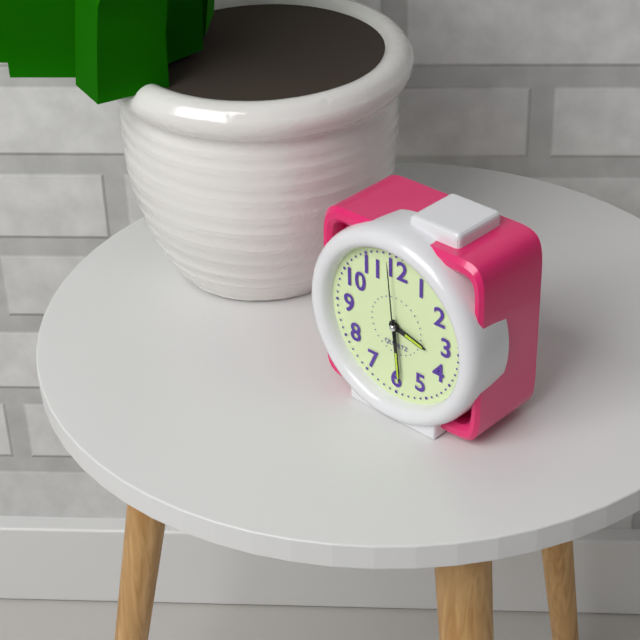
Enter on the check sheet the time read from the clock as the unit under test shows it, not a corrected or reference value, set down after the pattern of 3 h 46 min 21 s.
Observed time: 3 h 29 min 59 s
